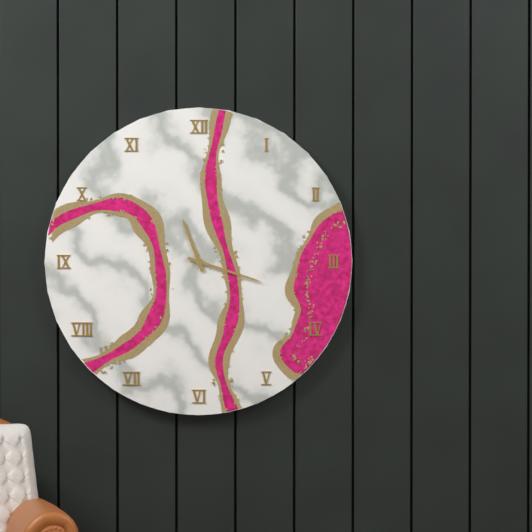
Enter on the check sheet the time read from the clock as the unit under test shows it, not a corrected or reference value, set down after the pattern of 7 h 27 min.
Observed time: 11 h 18 min
